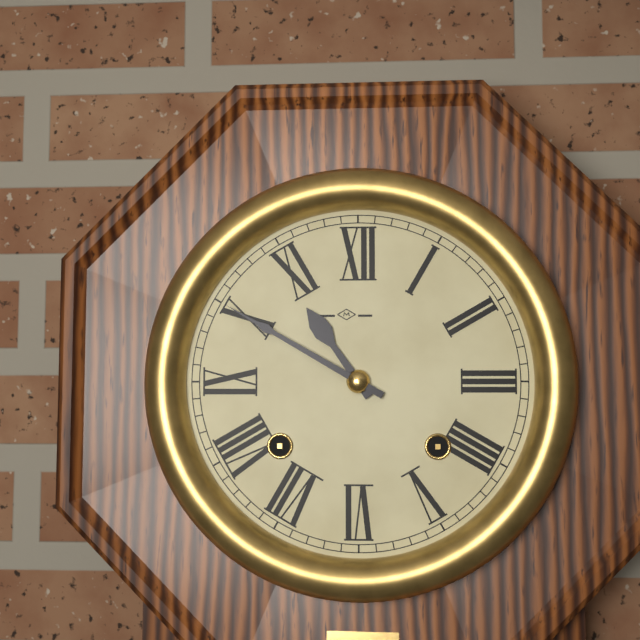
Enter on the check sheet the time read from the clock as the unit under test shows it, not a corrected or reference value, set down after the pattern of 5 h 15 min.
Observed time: 10 h 50 min
